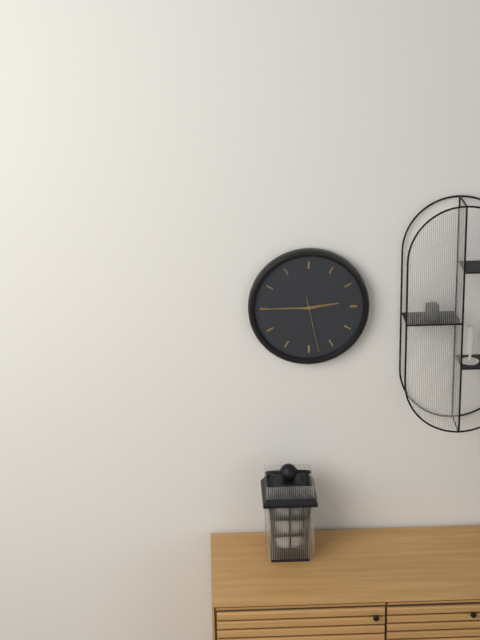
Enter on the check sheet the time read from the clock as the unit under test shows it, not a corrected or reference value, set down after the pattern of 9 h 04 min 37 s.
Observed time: 2 h 45 min 28 s
